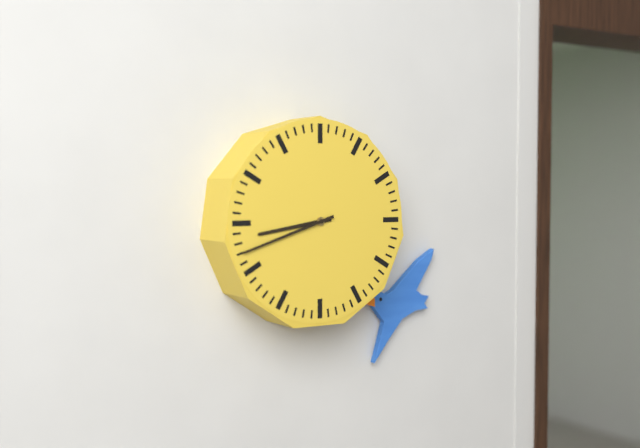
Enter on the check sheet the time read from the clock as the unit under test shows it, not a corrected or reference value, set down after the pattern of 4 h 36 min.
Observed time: 8 h 42 min
